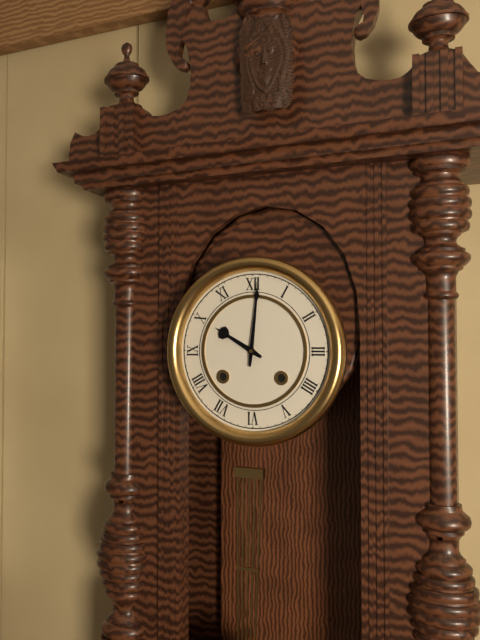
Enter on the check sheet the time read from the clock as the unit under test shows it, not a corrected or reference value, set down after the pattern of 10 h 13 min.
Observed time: 10 h 01 min
